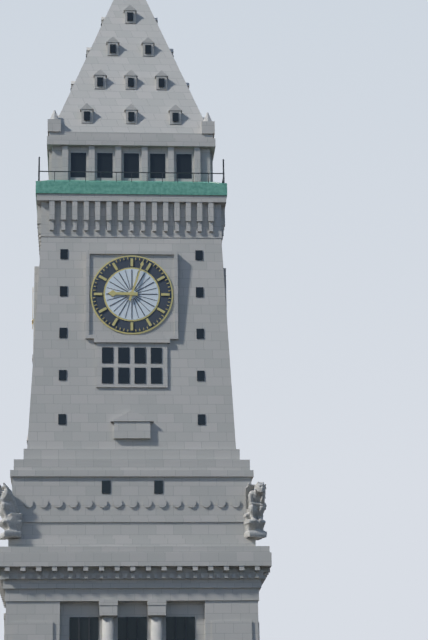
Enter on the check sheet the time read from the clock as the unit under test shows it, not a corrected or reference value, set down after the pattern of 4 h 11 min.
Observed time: 9 h 03 min
